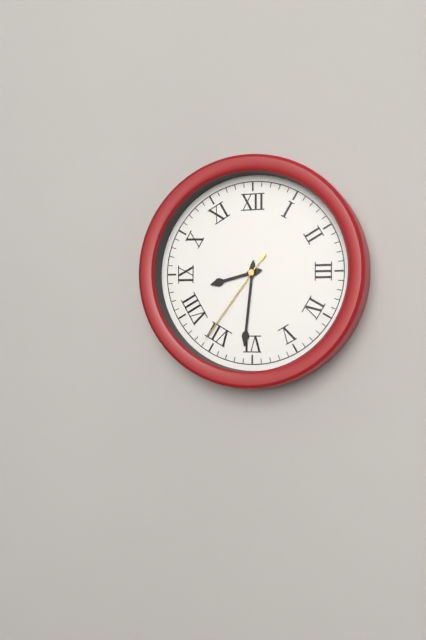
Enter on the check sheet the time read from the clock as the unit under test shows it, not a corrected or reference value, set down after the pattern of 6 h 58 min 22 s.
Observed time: 8 h 31 min 36 s
